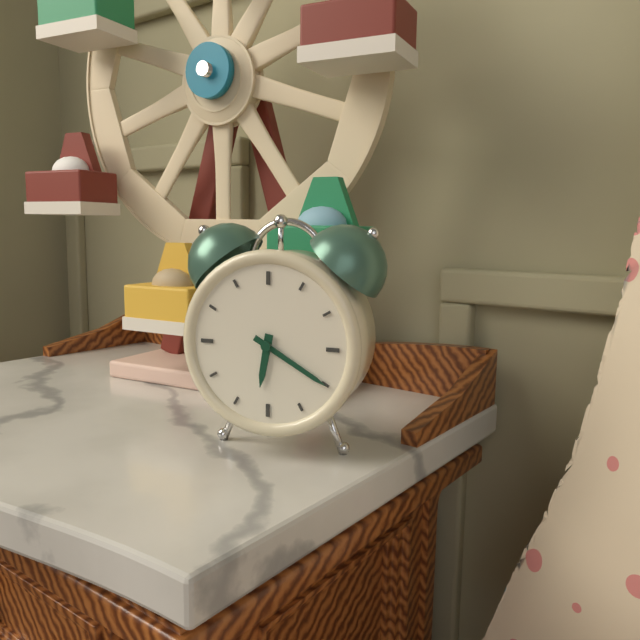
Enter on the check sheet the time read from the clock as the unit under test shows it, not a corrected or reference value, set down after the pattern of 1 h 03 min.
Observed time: 6 h 20 min
